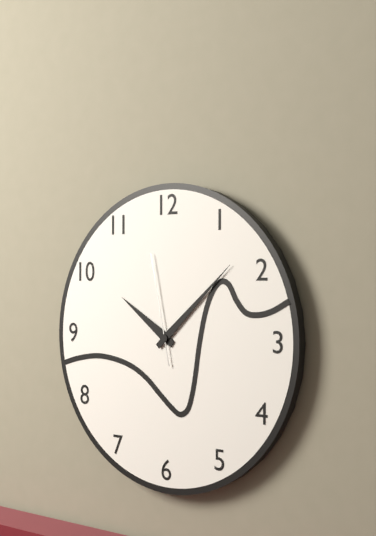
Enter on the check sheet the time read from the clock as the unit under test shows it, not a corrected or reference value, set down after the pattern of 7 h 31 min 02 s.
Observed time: 10 h 08 min 58 s
